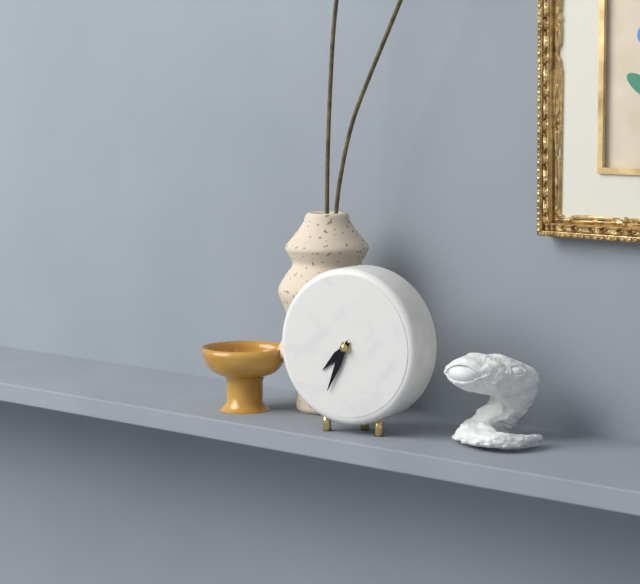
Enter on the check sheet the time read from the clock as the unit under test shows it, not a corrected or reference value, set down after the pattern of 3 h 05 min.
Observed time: 7 h 34 min
